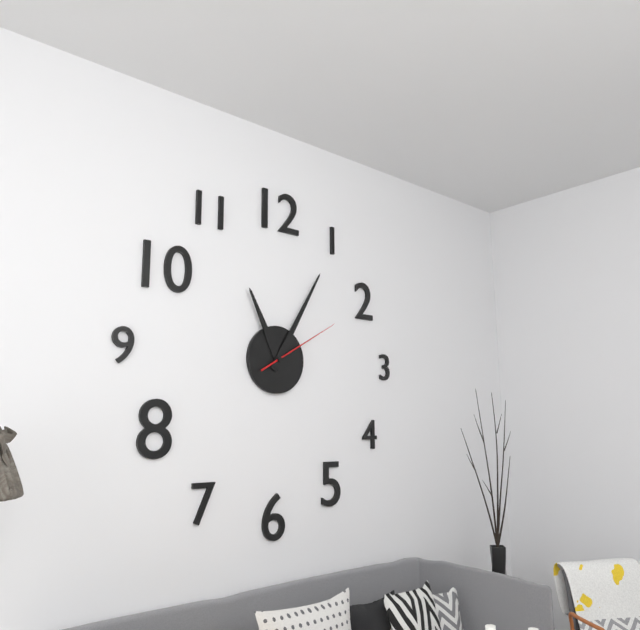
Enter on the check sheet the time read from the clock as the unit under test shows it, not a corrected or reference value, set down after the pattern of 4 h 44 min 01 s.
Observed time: 11 h 05 min 10 s
